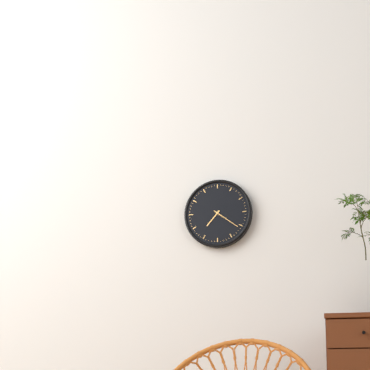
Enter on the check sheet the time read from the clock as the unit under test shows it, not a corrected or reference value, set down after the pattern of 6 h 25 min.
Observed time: 7 h 21 min
